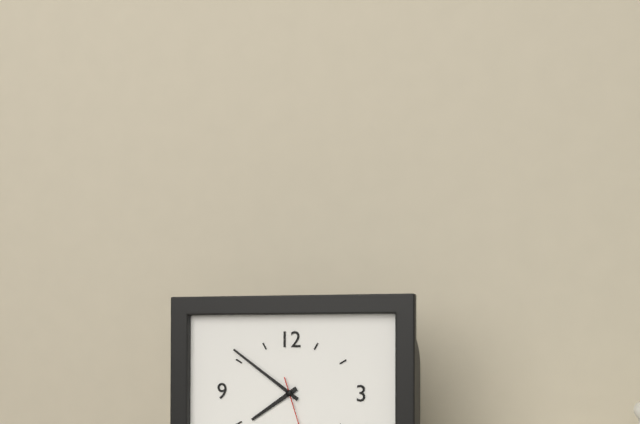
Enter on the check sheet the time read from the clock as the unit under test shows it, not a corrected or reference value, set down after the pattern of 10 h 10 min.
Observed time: 7 h 51 min
